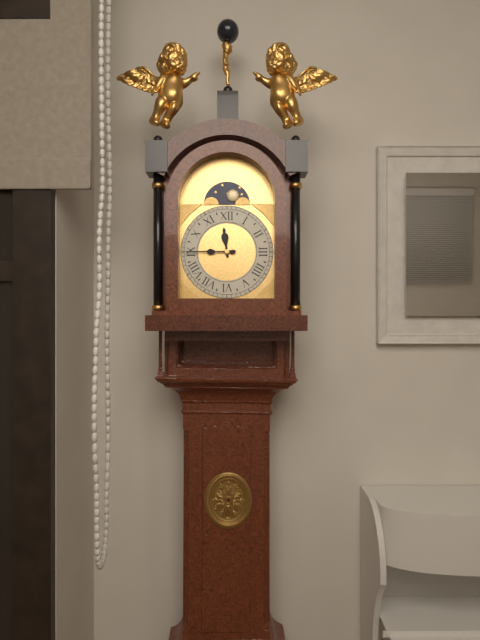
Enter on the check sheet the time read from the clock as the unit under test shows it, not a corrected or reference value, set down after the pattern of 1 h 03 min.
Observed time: 11 h 45 min
